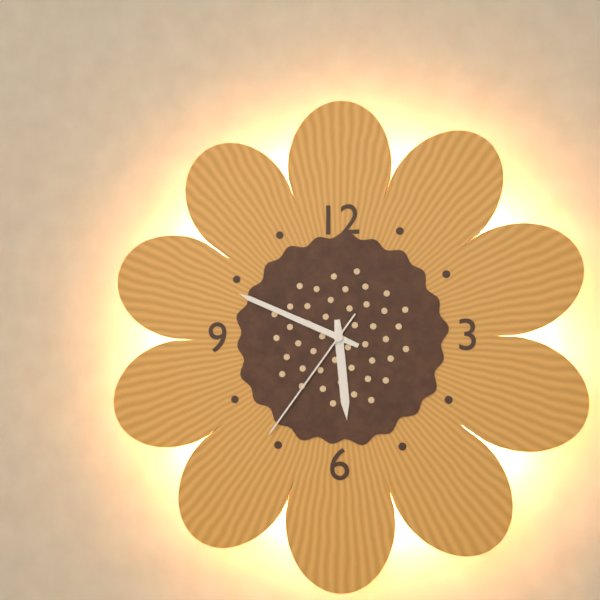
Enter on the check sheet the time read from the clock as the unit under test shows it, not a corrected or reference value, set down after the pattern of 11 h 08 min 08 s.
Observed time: 5 h 49 min 36 s
